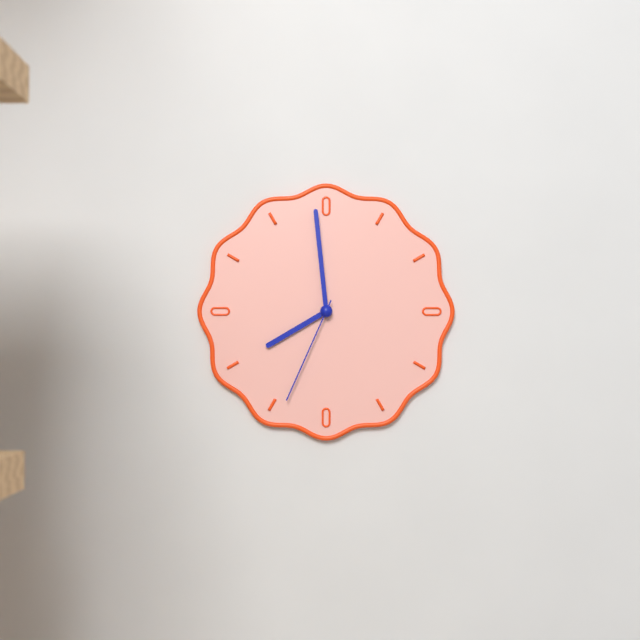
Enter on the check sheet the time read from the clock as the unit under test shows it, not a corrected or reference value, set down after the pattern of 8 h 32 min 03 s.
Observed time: 7 h 59 min 34 s
